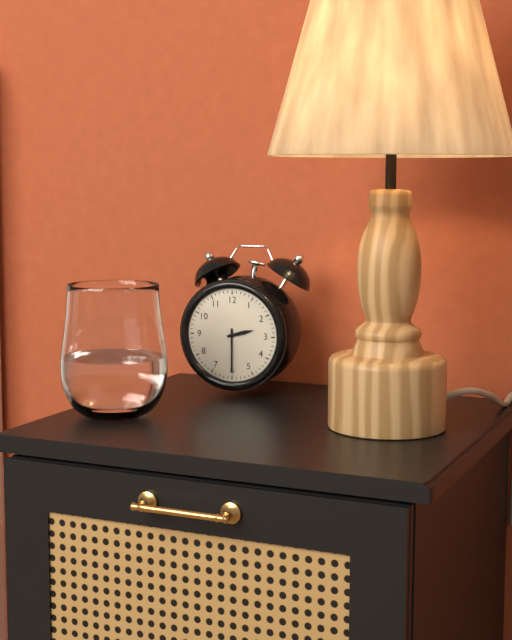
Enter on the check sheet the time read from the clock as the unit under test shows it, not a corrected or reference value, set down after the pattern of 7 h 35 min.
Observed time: 2 h 30 min
